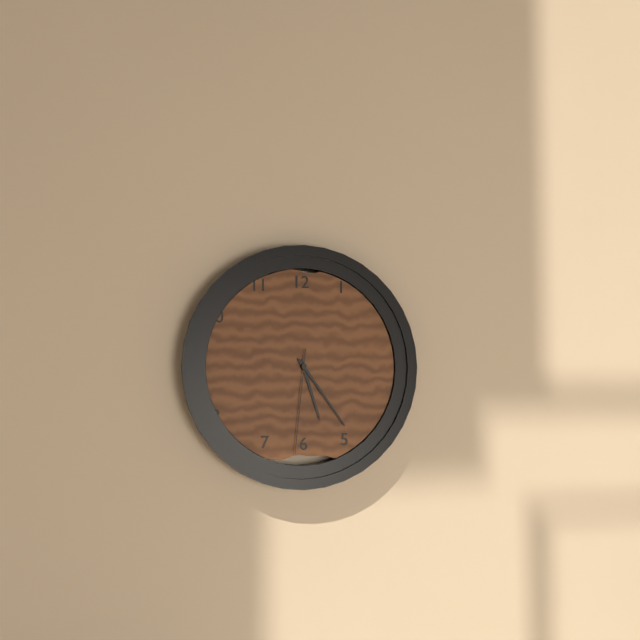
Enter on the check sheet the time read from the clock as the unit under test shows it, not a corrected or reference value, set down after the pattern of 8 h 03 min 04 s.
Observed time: 5 h 24 min 31 s
